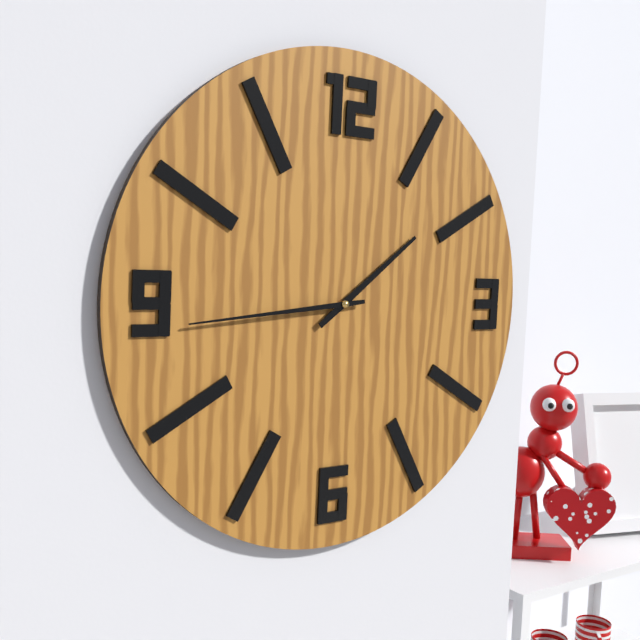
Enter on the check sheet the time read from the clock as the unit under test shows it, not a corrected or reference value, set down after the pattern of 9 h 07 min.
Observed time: 1 h 44 min
